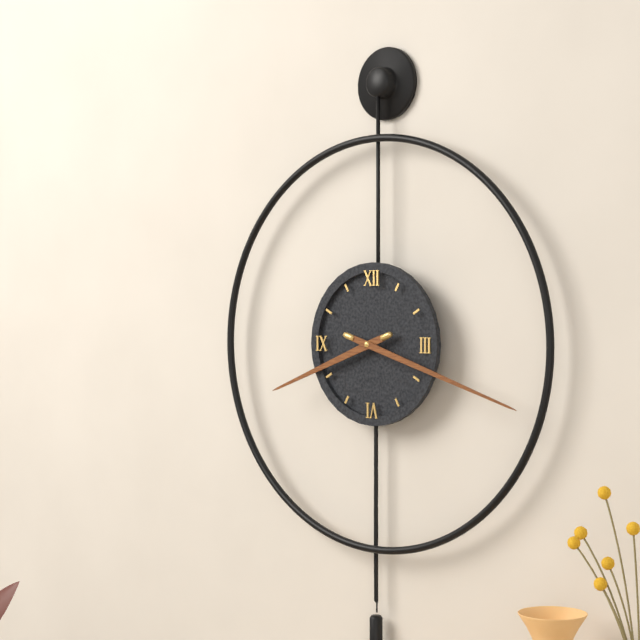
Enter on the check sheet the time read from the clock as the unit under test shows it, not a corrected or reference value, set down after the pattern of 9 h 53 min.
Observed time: 8 h 18 min
